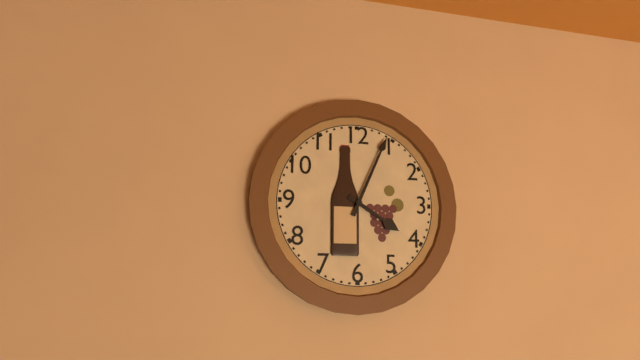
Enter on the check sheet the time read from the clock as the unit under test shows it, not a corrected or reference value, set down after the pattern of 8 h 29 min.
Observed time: 4 h 04 min
